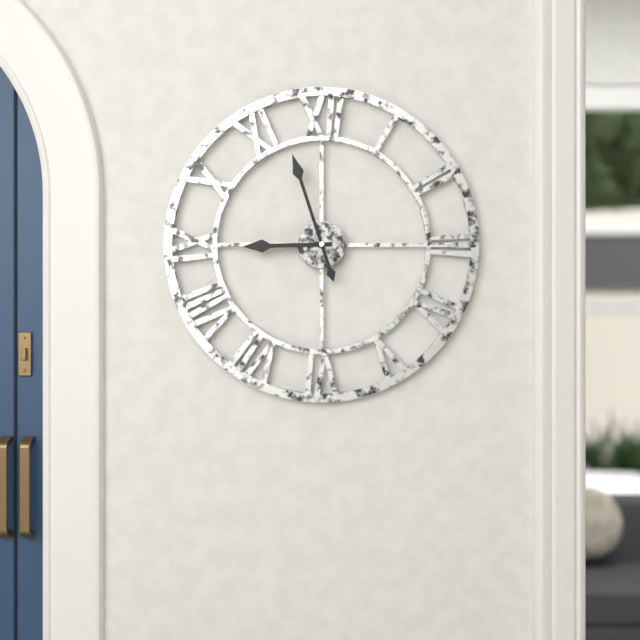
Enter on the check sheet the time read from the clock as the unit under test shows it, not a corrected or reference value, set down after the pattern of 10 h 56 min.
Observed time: 8 h 57 min
